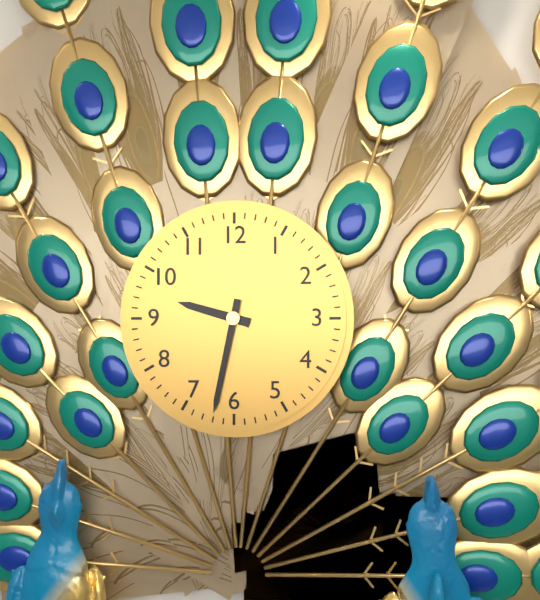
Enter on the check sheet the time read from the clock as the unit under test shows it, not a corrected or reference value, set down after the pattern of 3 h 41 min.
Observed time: 9 h 32 min
